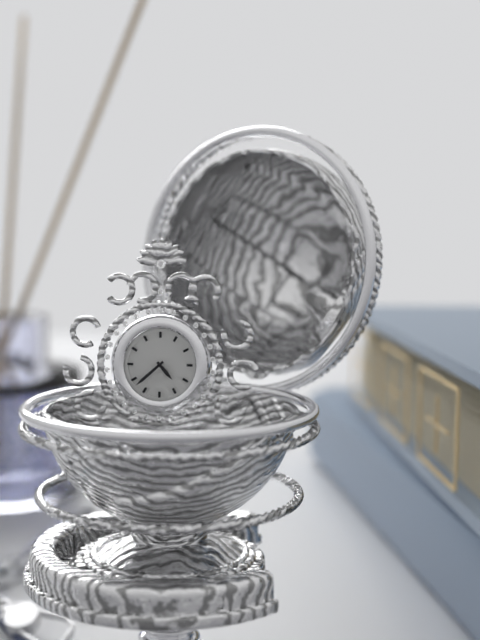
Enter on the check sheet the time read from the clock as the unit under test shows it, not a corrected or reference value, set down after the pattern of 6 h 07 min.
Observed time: 4 h 38 min
